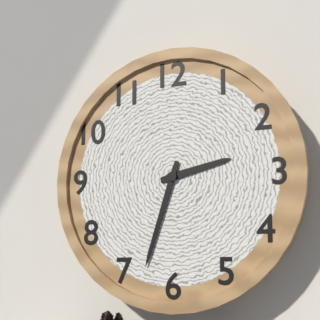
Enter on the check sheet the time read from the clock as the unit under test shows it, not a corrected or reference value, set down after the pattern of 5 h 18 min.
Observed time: 2 h 33 min
